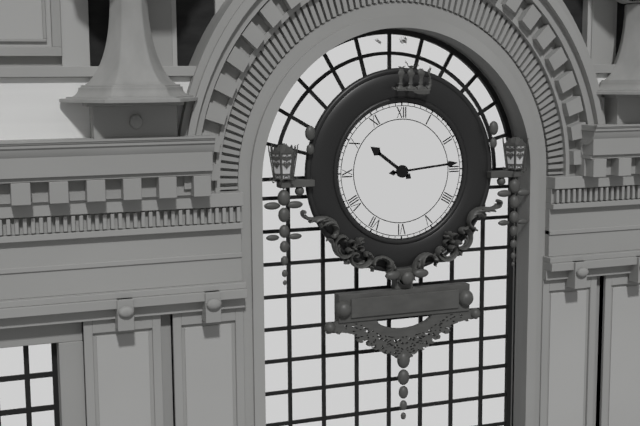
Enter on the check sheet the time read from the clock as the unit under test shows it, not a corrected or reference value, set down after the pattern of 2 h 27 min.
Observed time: 10 h 14 min
